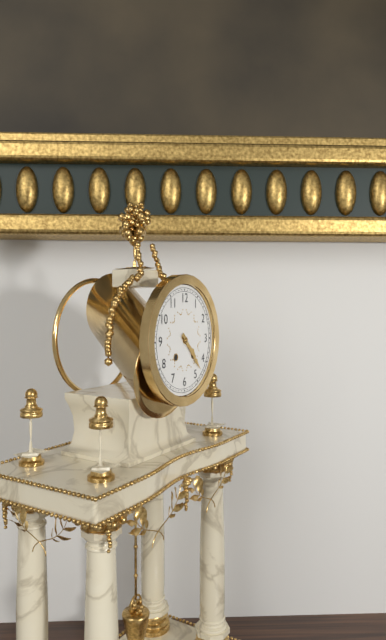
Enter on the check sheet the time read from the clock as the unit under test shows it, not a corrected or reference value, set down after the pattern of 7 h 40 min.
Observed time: 4 h 23 min
